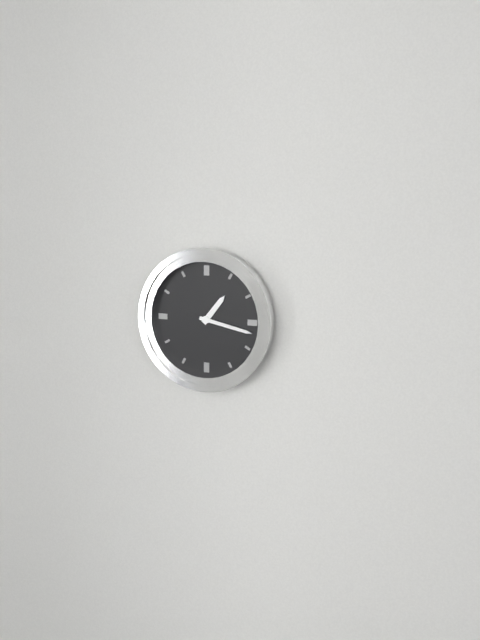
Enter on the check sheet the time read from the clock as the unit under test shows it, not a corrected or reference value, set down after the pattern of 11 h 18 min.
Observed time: 1 h 17 min
